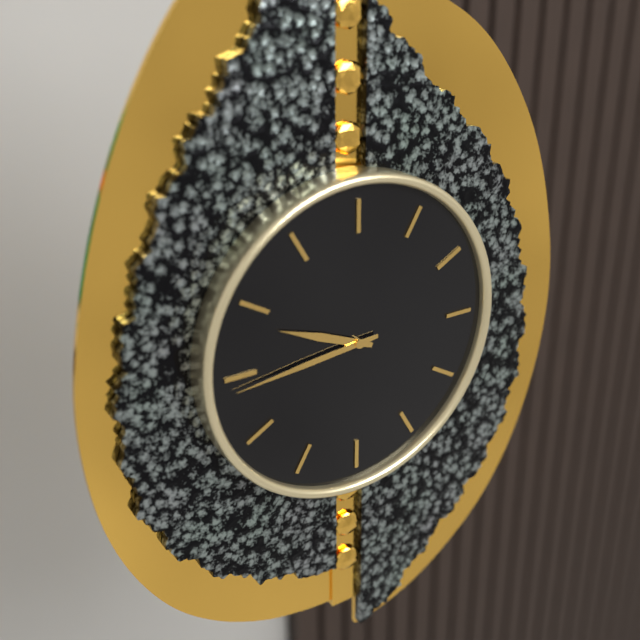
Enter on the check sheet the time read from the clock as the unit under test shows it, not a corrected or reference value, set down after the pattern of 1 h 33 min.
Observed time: 9 h 44 min
